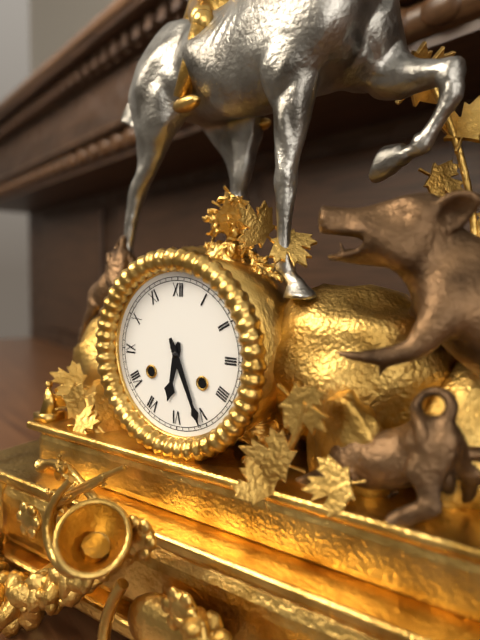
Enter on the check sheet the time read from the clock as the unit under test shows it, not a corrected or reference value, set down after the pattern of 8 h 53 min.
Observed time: 6 h 26 min
